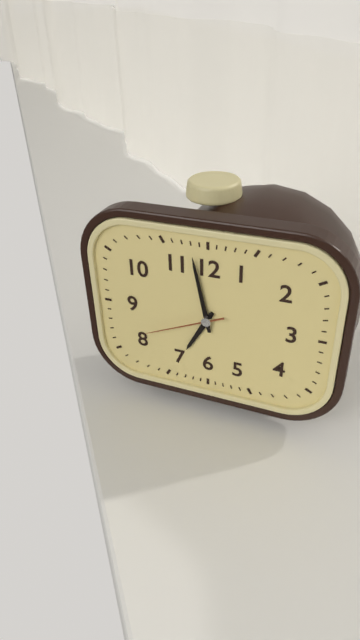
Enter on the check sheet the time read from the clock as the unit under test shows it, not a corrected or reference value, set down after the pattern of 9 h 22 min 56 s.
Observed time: 6 h 58 min 41 s
